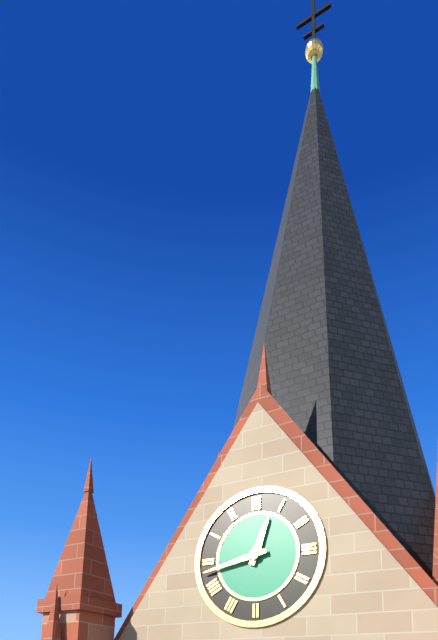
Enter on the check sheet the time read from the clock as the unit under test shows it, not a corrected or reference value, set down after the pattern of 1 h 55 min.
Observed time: 12 h 43 min
